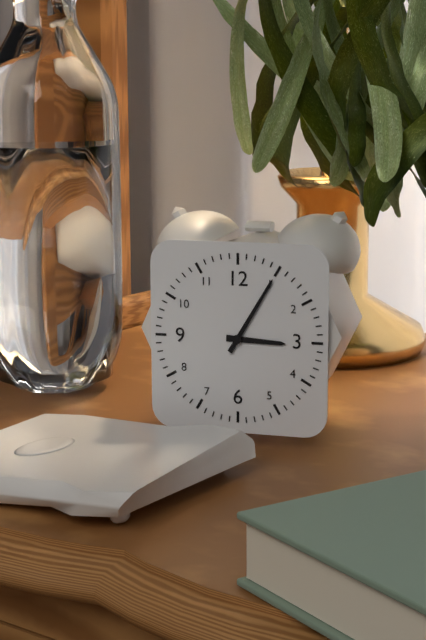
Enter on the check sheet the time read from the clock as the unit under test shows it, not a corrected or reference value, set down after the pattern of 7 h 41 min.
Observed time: 3 h 05 min
